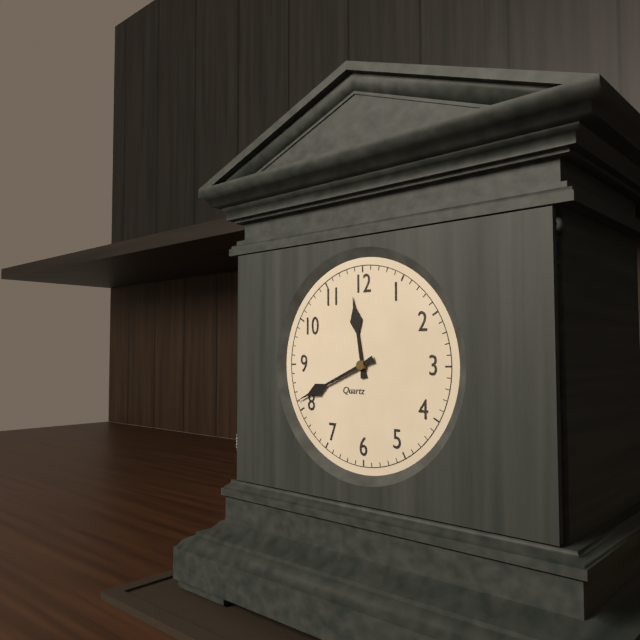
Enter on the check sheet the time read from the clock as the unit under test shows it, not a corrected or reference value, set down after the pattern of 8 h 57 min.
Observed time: 11 h 41 min
